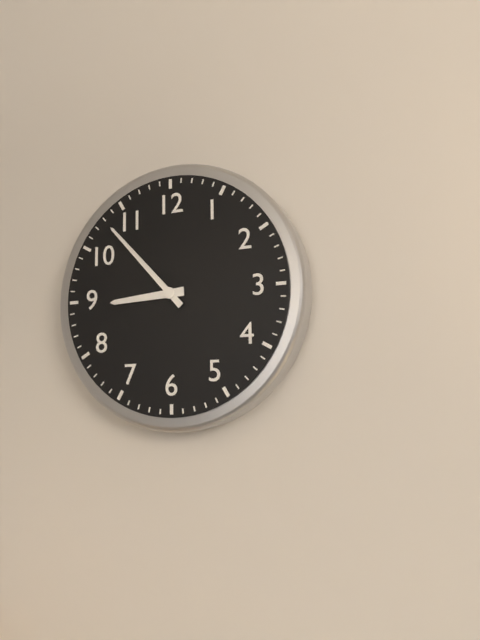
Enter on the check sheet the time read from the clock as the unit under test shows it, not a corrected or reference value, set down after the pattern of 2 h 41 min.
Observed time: 8 h 53 min
